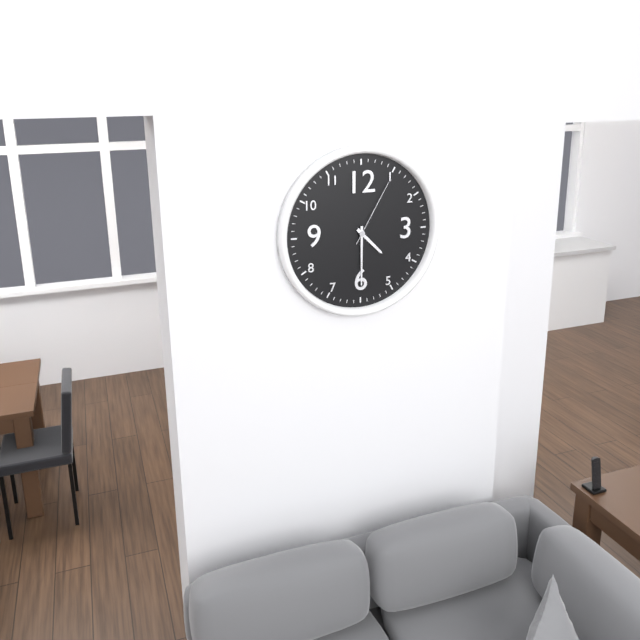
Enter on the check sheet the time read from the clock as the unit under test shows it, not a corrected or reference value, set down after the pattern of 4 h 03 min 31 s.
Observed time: 4 h 30 min 05 s
